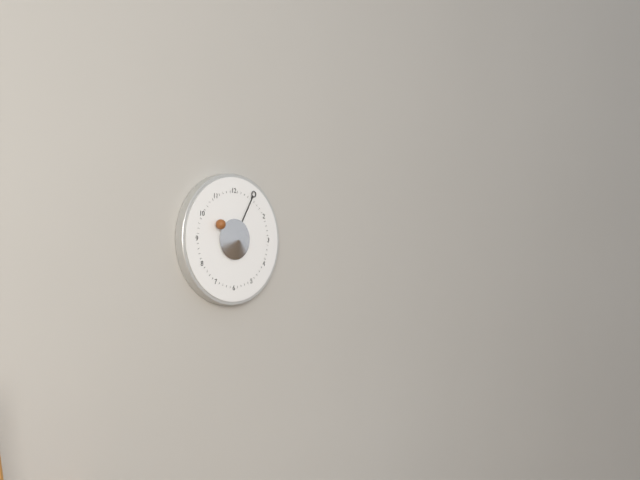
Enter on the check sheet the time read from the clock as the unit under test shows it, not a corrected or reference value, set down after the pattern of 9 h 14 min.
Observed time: 10 h 05 min
